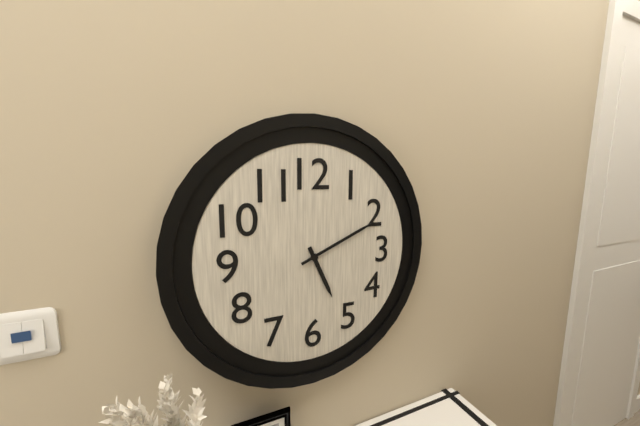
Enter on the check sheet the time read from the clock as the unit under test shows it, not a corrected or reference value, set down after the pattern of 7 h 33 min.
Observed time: 5 h 11 min
